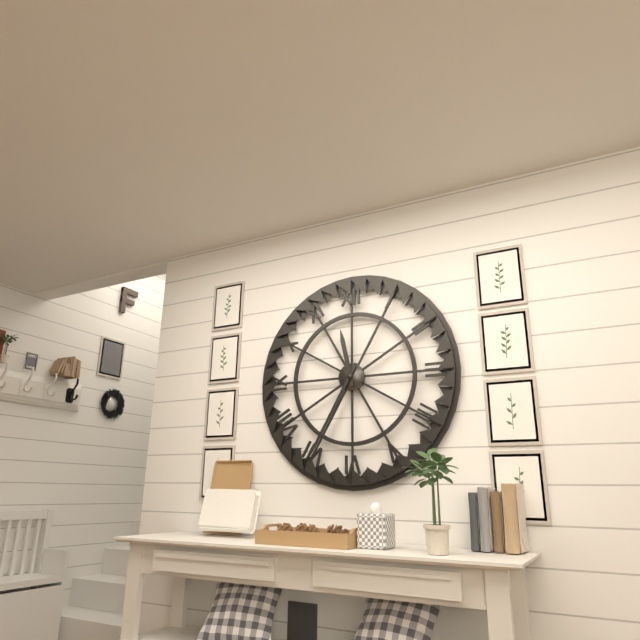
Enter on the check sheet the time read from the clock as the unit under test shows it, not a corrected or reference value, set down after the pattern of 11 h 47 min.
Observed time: 11 h 35 min
